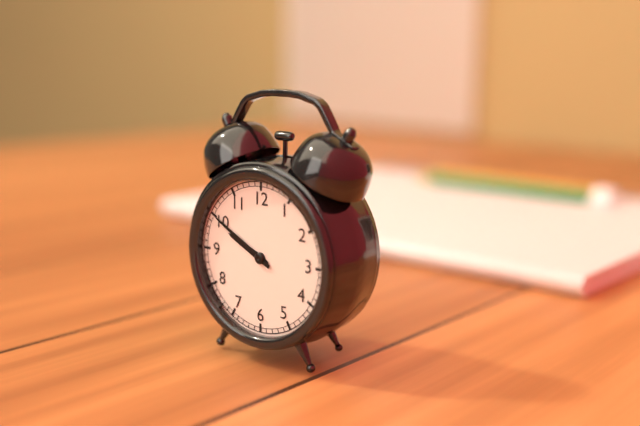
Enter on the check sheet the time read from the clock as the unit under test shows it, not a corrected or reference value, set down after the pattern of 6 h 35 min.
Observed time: 9 h 50 min
